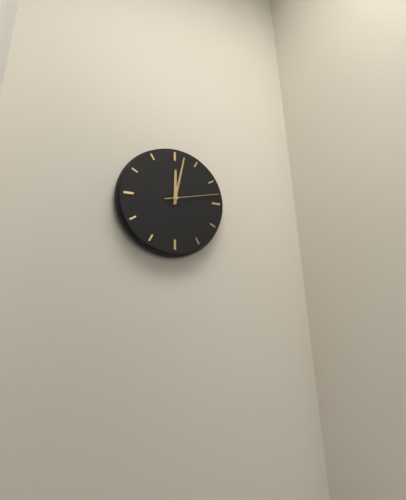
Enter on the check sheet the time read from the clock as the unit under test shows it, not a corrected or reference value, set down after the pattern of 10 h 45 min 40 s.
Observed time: 12 h 02 min 13 s
